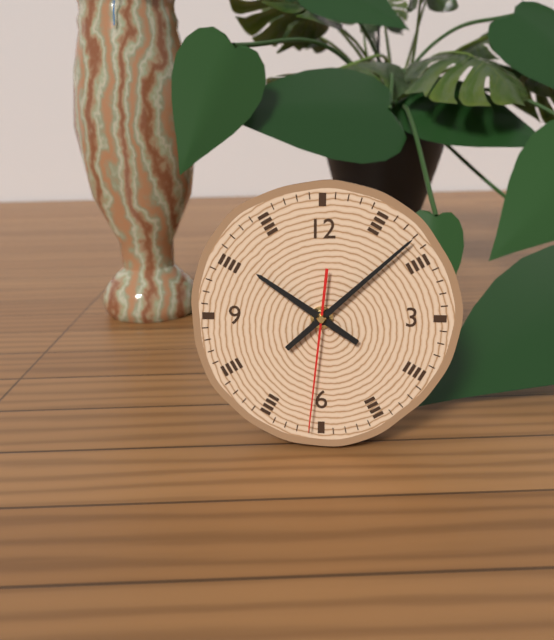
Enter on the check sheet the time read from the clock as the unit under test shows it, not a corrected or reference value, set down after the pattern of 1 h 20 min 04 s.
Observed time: 10 h 08 min 31 s
